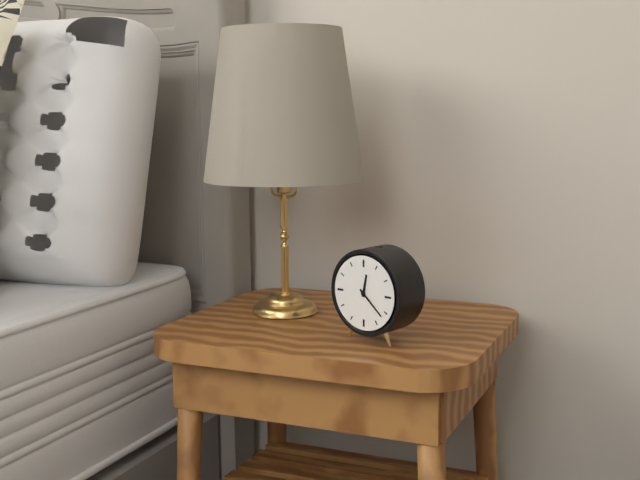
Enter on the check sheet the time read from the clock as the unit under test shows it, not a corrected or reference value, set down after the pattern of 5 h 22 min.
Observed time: 12 h 22 min
